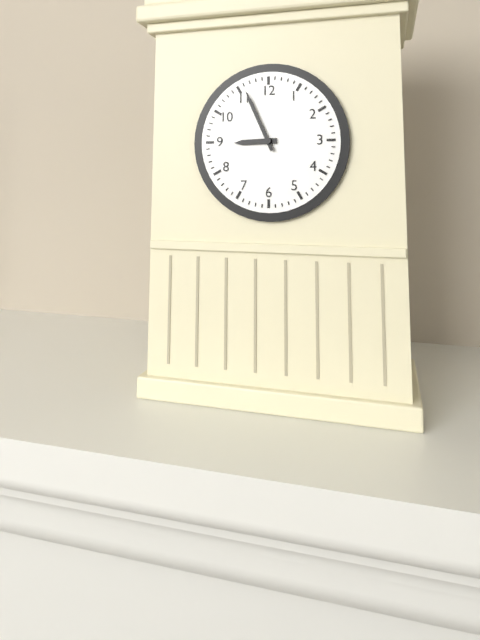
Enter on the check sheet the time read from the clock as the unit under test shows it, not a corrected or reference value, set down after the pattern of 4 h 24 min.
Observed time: 8 h 56 min
